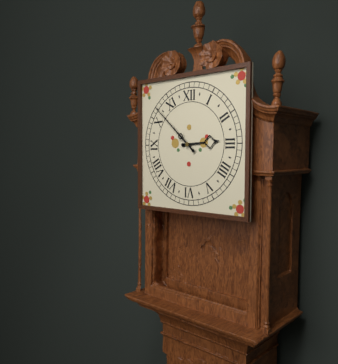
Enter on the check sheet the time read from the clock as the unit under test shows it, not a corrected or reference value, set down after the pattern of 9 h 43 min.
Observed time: 2 h 52 min
